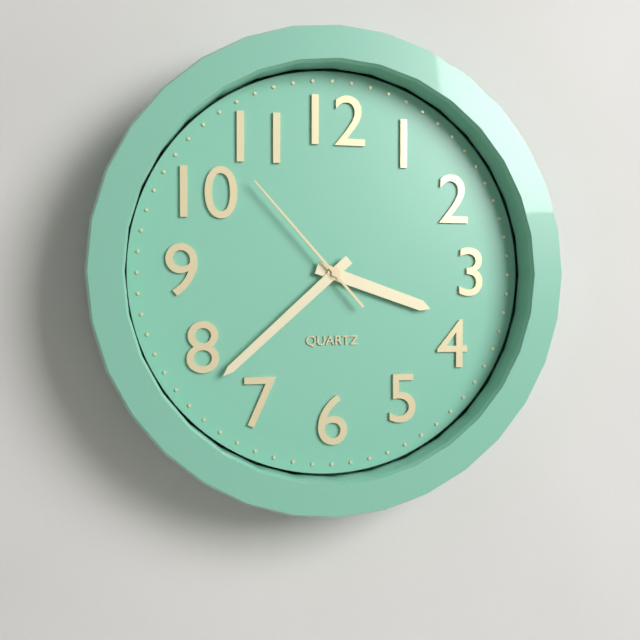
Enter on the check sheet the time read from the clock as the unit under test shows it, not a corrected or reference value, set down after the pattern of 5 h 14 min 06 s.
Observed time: 3 h 38 min 53 s
